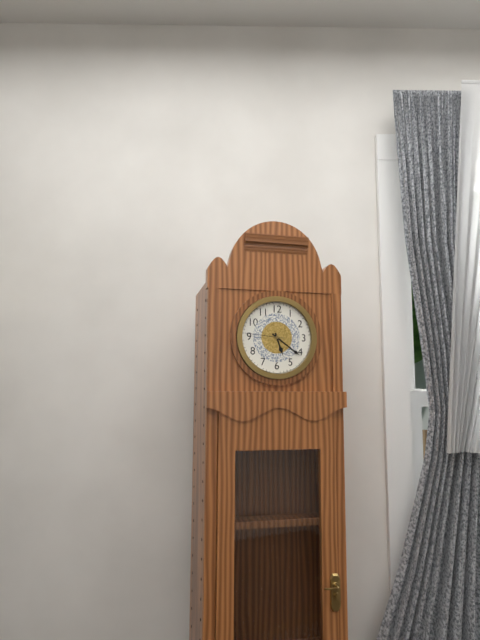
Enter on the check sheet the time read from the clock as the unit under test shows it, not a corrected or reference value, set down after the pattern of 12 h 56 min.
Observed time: 5 h 21 min
